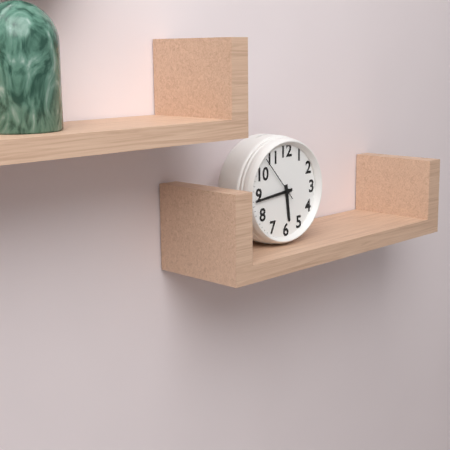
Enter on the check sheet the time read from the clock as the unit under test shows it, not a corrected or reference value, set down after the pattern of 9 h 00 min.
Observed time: 5 h 44 min
